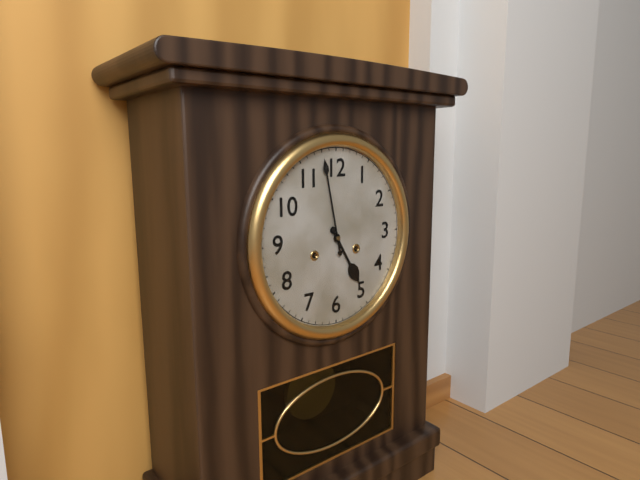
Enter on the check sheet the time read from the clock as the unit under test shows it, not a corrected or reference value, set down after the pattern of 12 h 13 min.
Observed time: 4 h 58 min
